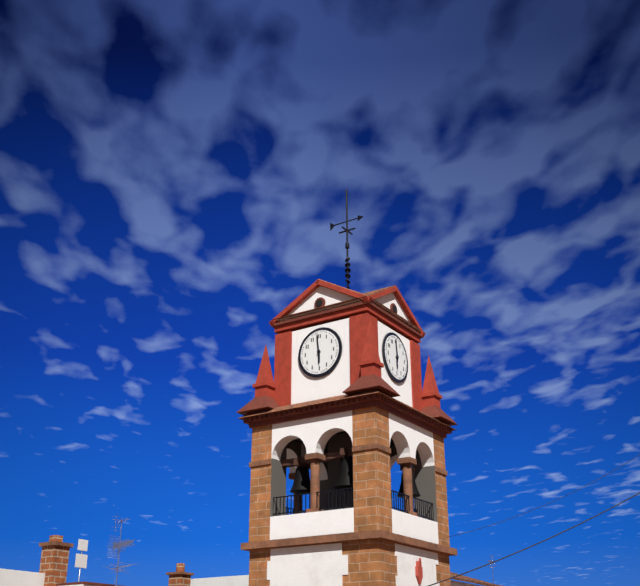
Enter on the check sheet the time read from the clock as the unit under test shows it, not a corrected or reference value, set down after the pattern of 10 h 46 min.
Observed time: 5 h 59 min
